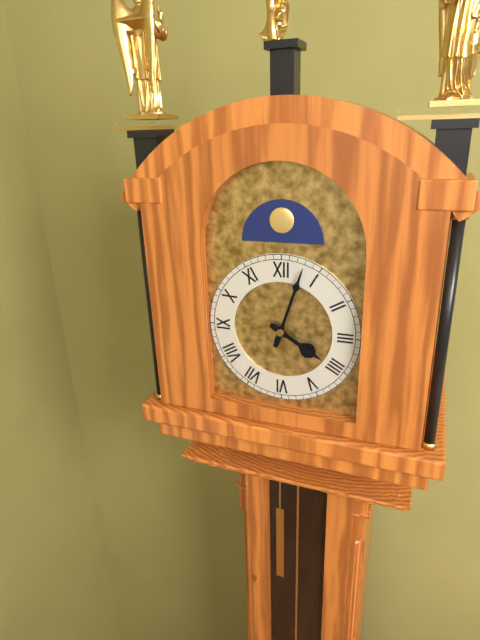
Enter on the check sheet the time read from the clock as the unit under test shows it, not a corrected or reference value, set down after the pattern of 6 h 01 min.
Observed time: 4 h 03 min
